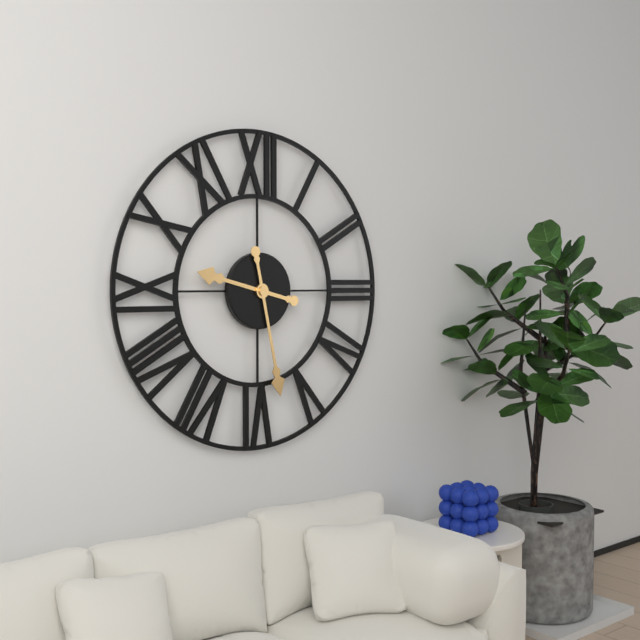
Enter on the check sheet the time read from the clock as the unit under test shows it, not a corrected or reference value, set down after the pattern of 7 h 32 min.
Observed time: 9 h 28 min
